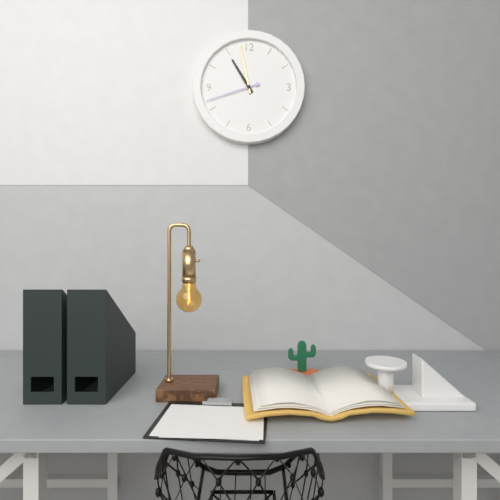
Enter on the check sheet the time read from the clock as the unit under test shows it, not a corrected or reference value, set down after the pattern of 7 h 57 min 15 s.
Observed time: 10 h 58 min 42 s
